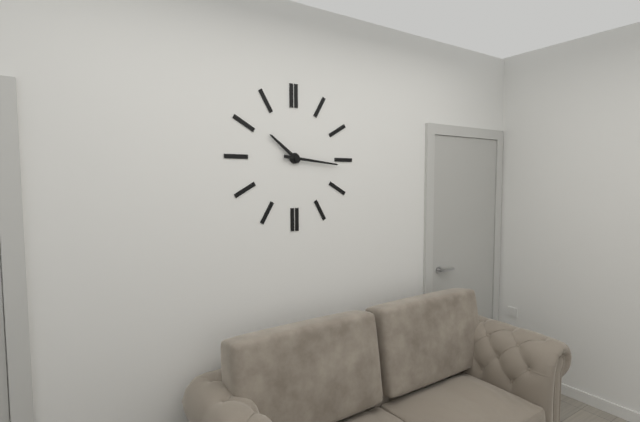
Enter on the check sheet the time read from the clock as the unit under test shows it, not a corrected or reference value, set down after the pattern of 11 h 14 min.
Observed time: 10 h 16 min
